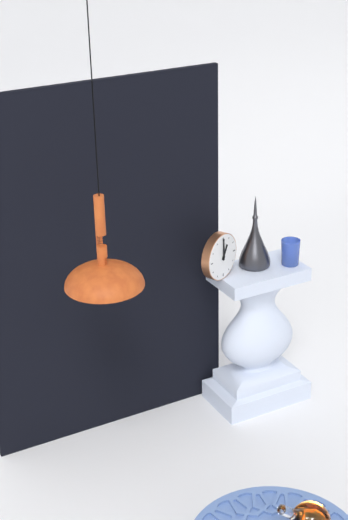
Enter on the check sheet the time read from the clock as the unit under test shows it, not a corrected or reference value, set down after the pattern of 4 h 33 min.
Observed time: 1 h 00 min
